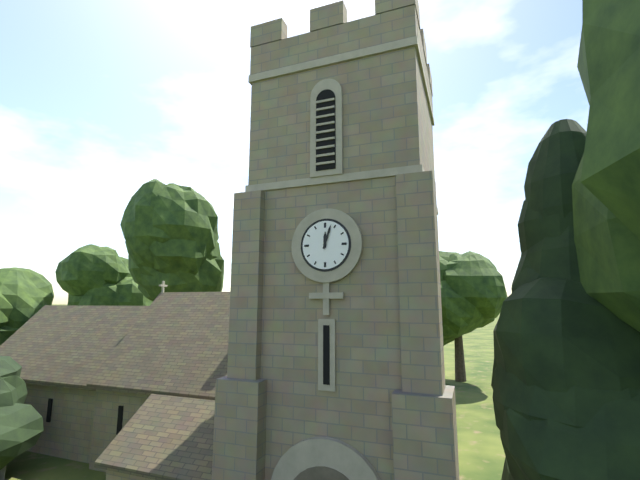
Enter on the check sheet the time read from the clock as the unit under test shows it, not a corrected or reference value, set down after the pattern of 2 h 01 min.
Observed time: 12 h 03 min
